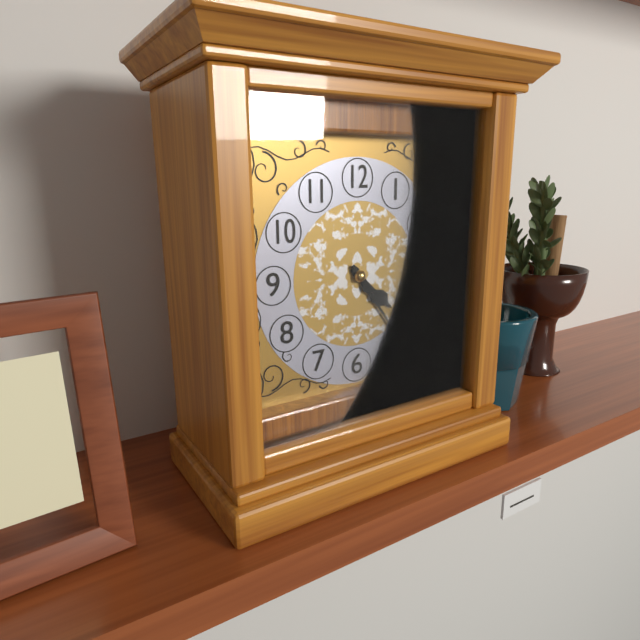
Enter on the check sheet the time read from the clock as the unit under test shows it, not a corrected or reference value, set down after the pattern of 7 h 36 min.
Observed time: 4 h 24 min
